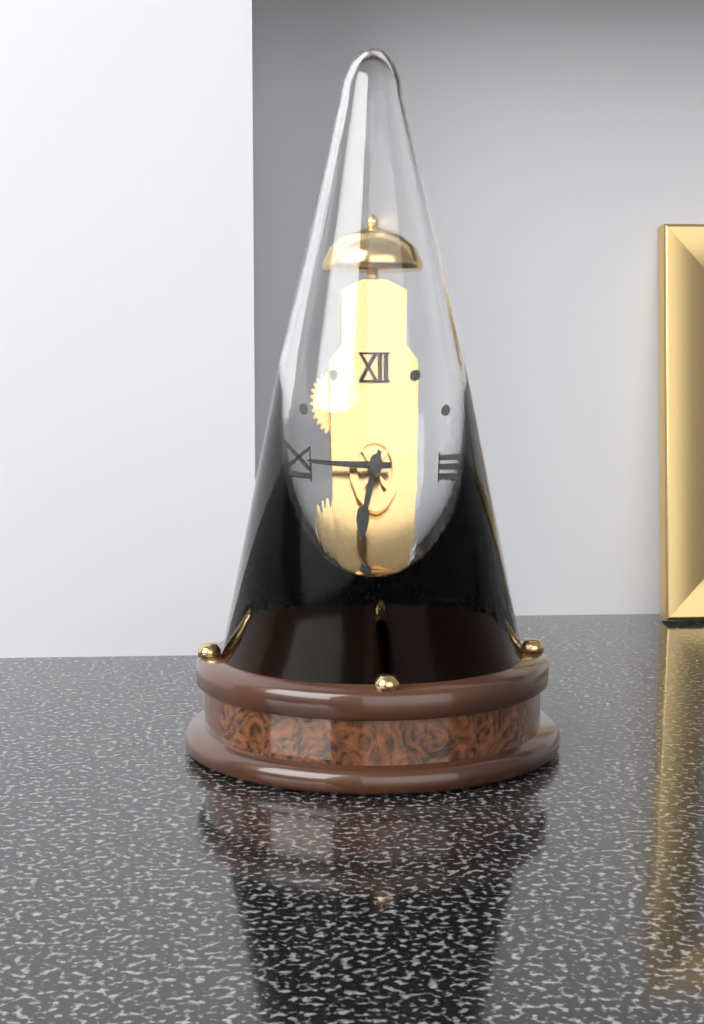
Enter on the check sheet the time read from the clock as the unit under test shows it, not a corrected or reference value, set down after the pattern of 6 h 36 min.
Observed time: 6 h 45 min
